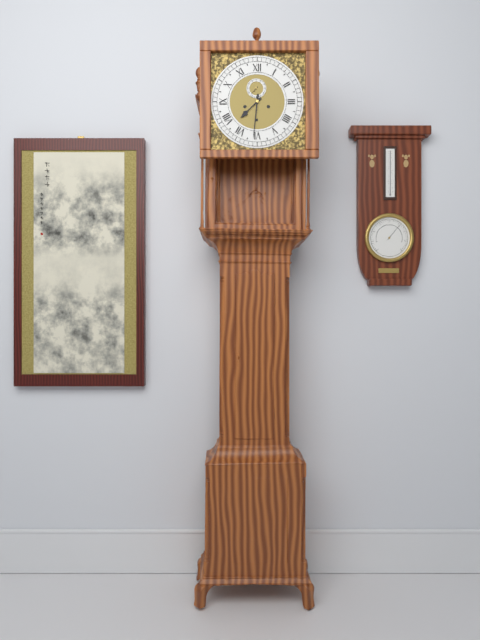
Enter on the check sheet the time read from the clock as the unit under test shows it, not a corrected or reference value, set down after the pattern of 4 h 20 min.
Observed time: 7 h 31 min
